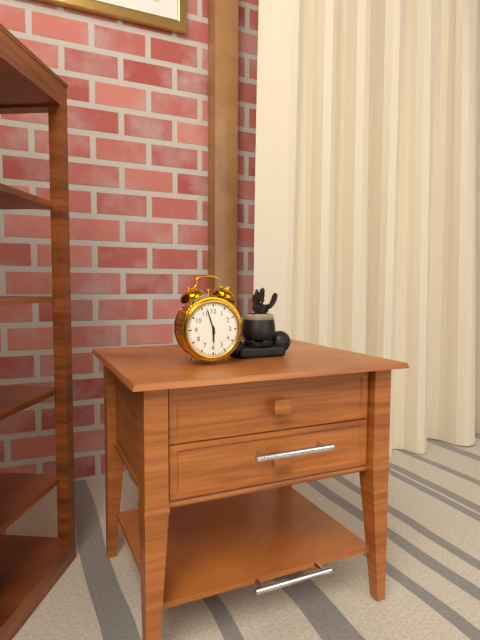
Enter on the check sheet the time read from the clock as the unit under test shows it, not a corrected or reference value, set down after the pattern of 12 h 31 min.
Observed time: 5 h 57 min
